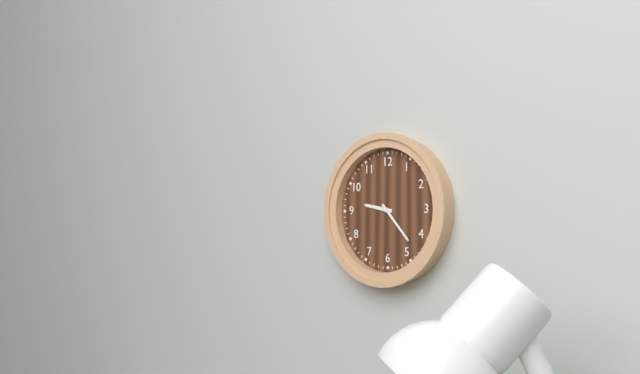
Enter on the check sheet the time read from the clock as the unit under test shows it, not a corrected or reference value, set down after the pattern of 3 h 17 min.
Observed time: 9 h 23 min
